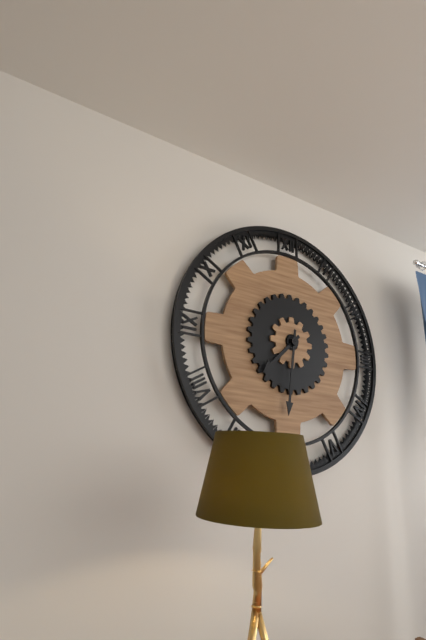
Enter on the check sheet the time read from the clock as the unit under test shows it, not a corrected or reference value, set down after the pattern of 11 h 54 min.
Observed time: 7 h 31 min
